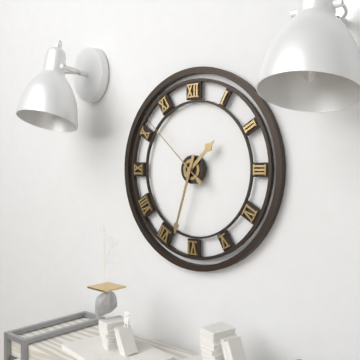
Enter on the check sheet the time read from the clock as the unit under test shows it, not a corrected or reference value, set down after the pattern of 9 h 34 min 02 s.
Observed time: 1 h 33 min 52 s
